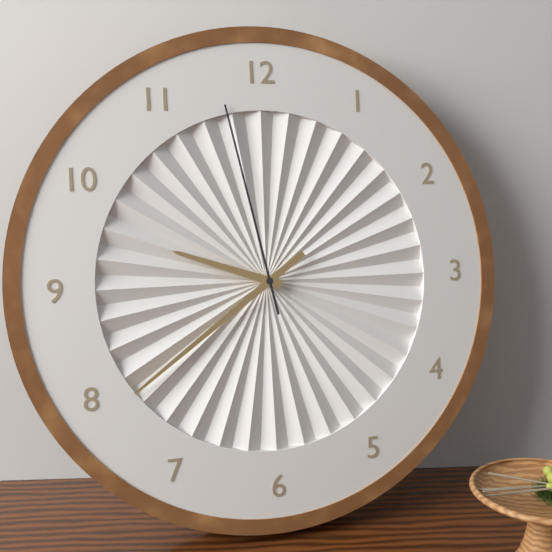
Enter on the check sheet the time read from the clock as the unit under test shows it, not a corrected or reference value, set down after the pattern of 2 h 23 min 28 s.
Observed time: 9 h 39 min 58 s
